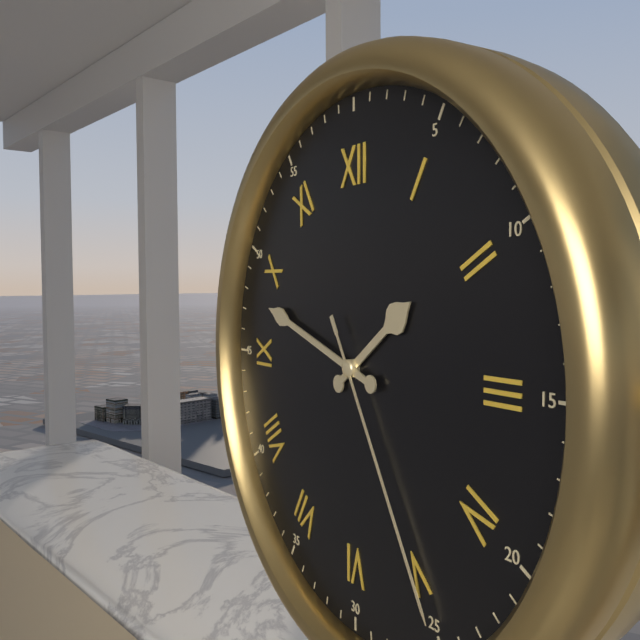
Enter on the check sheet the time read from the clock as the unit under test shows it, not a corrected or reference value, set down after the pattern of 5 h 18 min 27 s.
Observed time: 1 h 48 min 25 s
